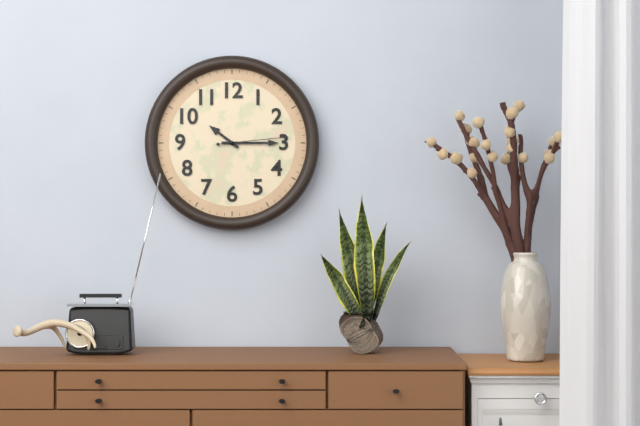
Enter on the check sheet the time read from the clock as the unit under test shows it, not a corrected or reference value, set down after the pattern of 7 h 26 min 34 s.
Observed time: 10 h 15 min 14 s
